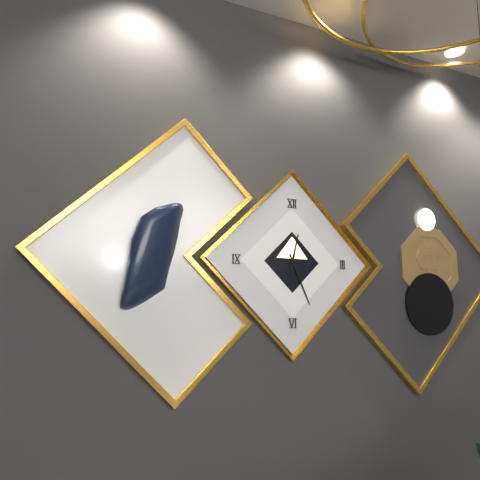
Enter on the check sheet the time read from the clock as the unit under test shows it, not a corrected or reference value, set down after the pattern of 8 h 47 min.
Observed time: 12 h 26 min
